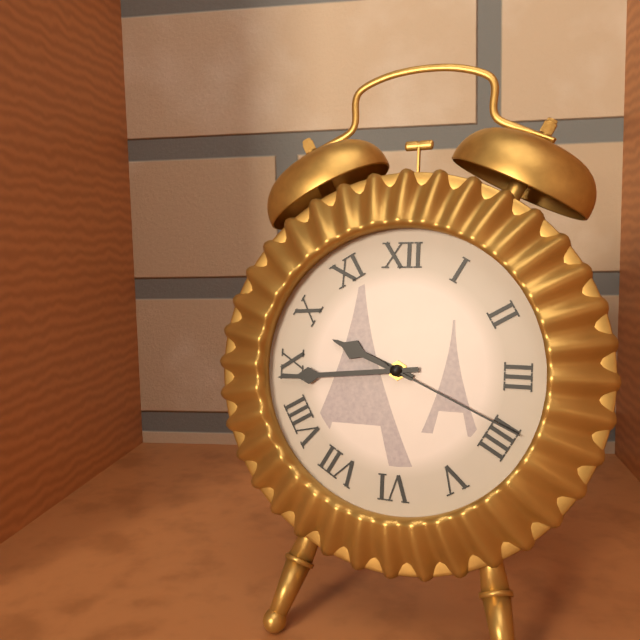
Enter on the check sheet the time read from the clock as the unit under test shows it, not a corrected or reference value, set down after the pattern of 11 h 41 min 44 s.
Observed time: 9 h 44 min 19 s
